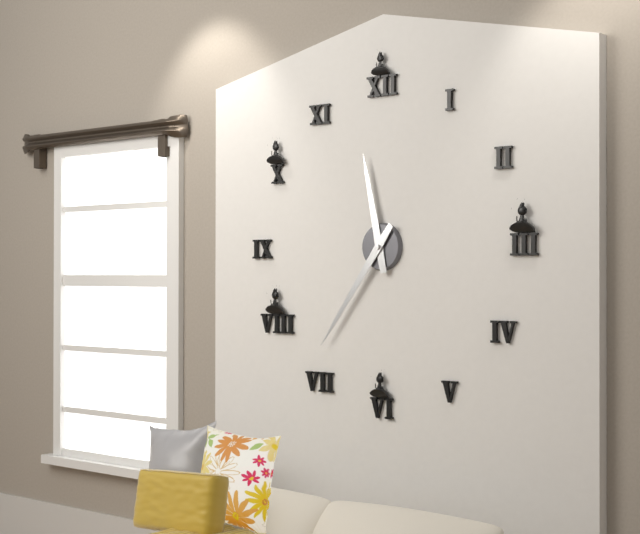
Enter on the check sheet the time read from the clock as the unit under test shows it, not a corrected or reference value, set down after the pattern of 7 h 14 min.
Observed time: 11 h 36 min
